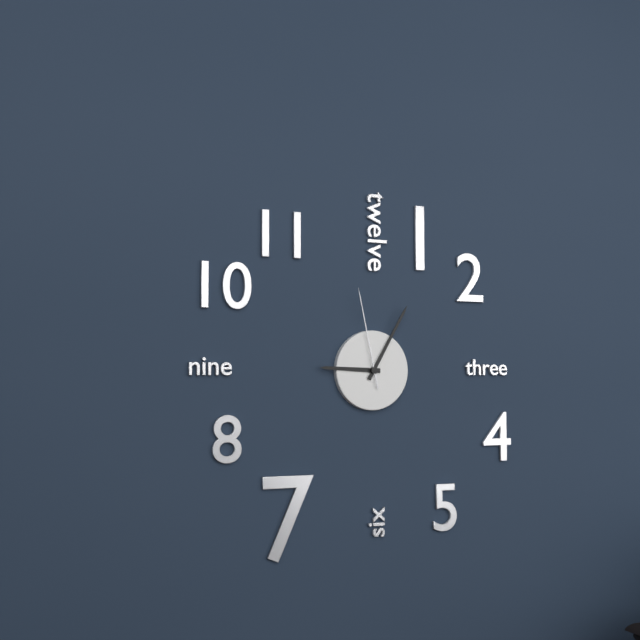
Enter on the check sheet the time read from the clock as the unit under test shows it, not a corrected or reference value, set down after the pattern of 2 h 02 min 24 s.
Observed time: 9 h 05 min 58 s
